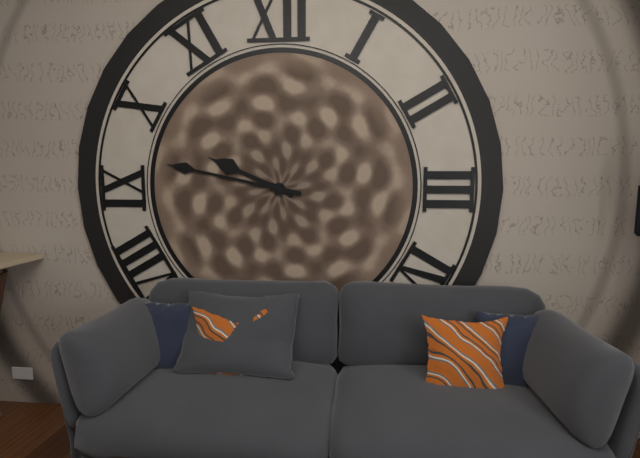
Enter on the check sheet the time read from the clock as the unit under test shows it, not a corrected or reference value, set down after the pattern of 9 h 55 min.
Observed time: 9 h 47 min
